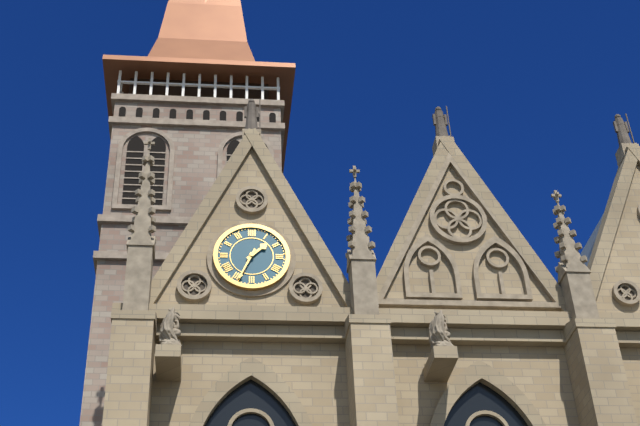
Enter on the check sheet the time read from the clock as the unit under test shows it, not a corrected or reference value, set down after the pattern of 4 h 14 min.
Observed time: 1 h 34 min
